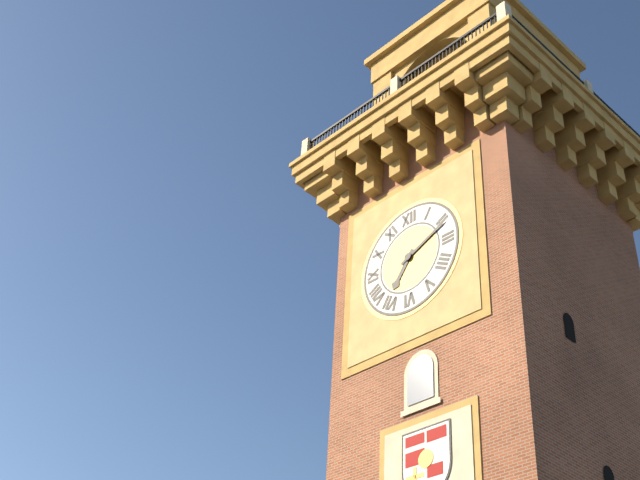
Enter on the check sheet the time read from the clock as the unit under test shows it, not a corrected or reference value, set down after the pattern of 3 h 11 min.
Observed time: 7 h 11 min
